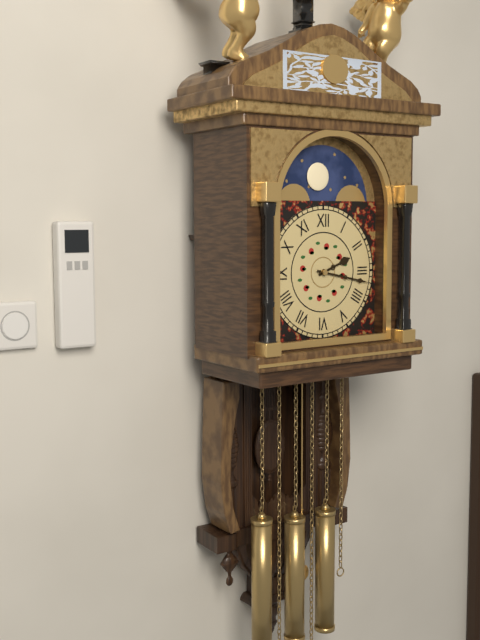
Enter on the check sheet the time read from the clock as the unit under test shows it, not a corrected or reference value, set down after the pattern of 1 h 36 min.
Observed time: 2 h 17 min
